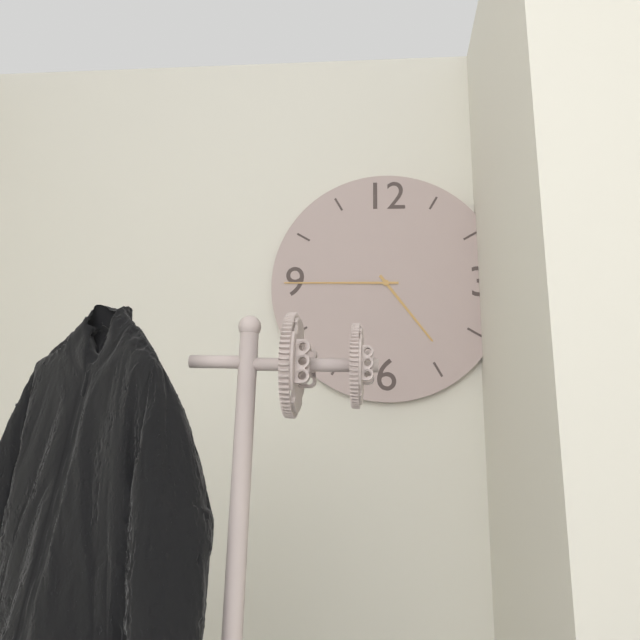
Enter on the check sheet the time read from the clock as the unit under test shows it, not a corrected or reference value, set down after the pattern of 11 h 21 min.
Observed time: 4 h 45 min
